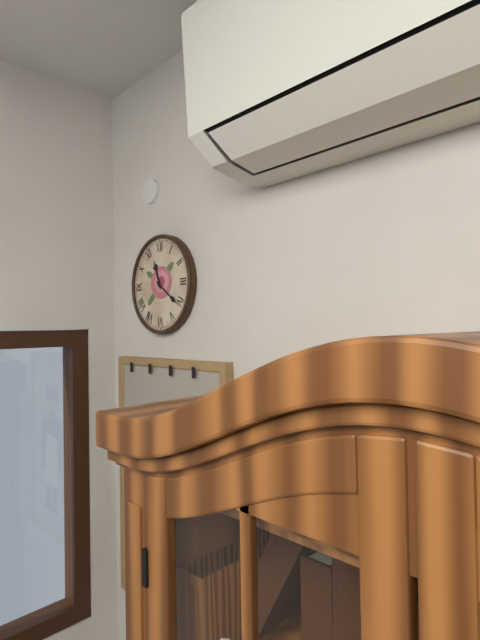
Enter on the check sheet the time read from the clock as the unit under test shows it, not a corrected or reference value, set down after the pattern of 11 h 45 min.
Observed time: 11 h 21 min
